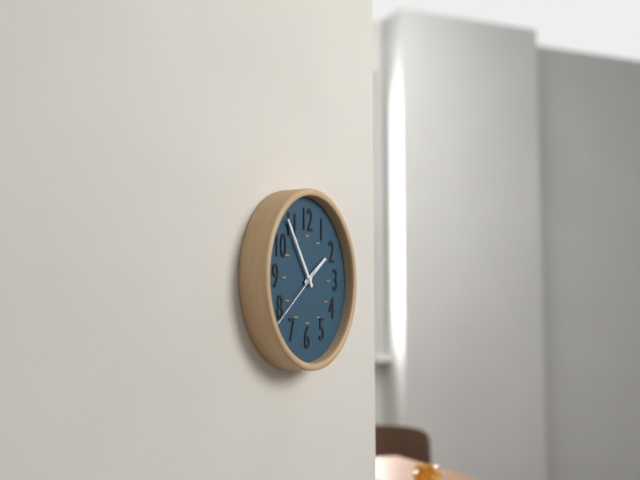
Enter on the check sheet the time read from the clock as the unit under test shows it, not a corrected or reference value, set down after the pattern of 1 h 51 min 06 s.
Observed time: 1 h 54 min 39 s
